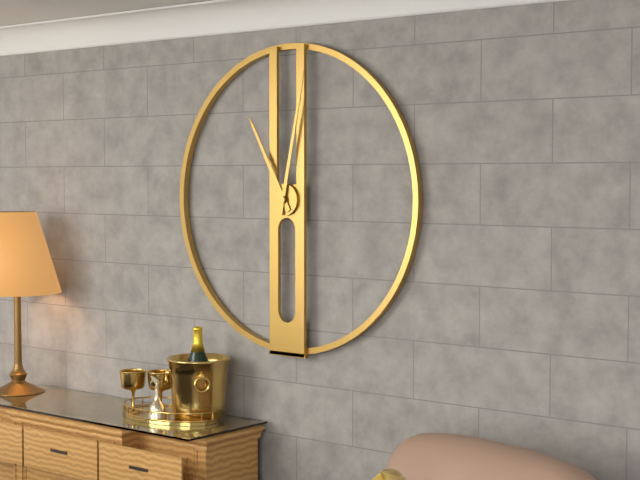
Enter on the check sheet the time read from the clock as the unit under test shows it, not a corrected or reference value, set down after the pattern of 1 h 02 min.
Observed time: 11 h 02 min
